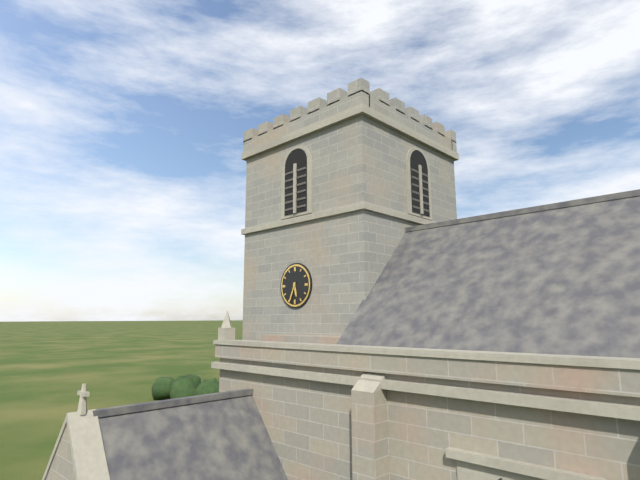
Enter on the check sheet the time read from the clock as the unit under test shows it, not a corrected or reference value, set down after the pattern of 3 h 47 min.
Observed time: 5 h 34 min
